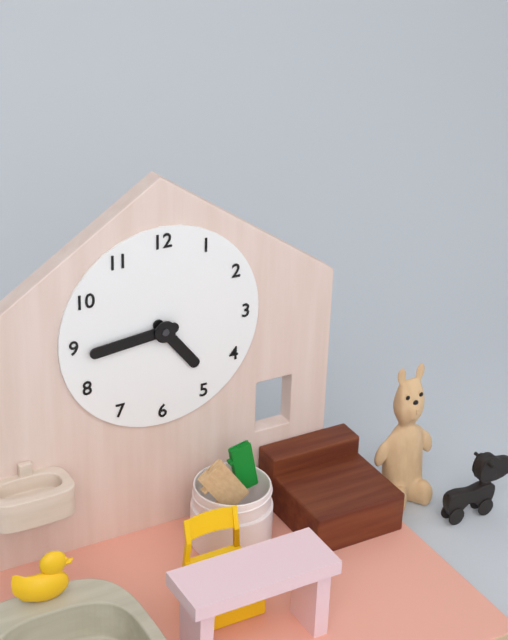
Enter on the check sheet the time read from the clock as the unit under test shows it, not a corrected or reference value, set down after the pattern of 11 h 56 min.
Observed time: 4 h 44 min
